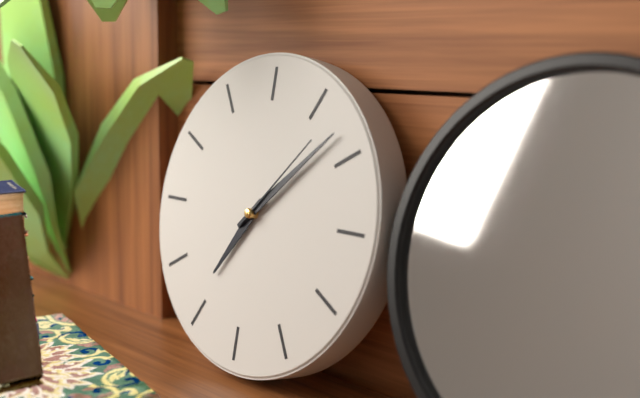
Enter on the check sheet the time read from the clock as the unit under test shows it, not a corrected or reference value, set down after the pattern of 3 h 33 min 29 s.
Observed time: 7 h 08 min 07 s
